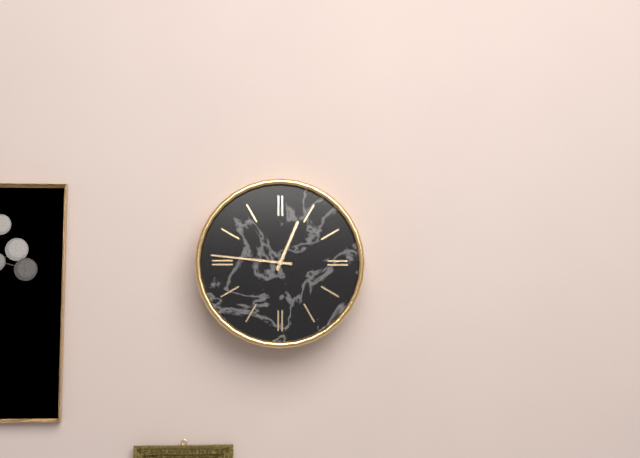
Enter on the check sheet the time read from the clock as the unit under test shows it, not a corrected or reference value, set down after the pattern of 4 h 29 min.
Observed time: 12 h 46 min
